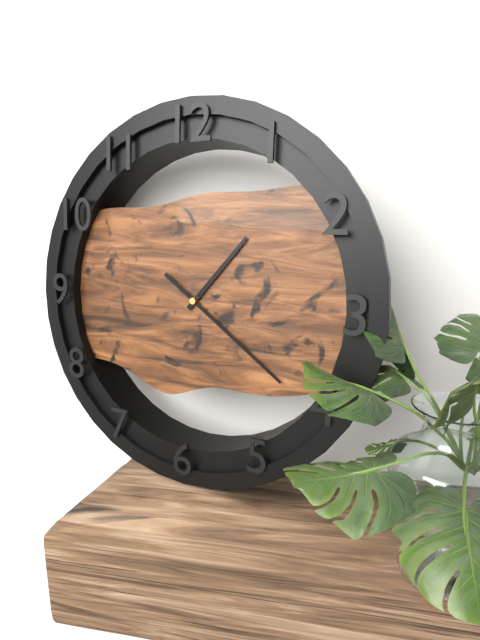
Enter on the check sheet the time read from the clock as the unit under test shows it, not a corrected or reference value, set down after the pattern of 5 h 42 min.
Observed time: 1 h 21 min
